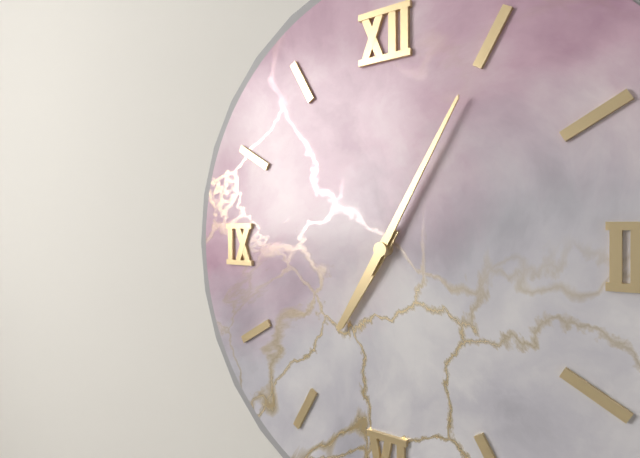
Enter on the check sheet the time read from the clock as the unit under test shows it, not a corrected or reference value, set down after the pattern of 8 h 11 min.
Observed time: 7 h 05 min
